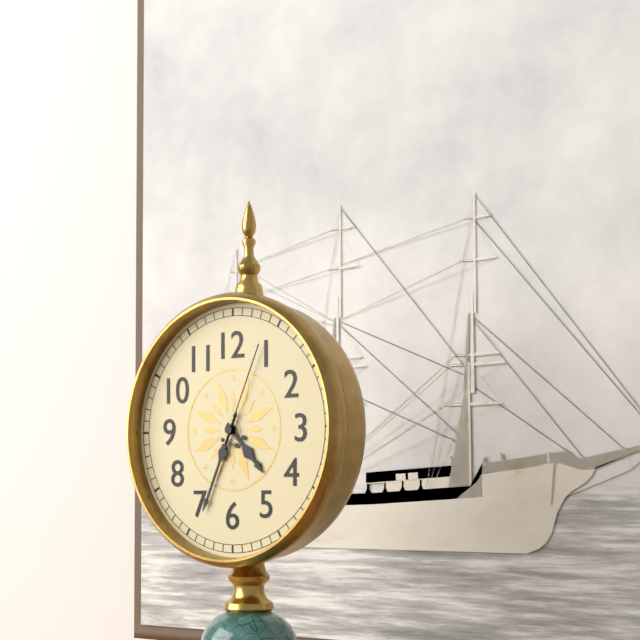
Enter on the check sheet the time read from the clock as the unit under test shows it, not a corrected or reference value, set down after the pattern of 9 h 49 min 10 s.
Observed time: 4 h 34 min 04 s
